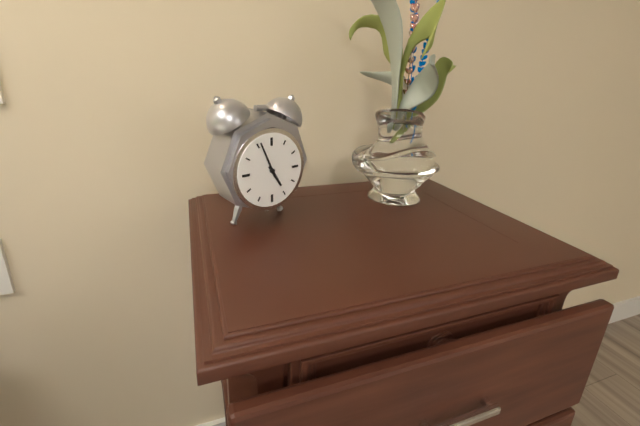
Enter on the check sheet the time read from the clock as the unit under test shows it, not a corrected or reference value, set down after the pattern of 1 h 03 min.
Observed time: 4 h 56 min
